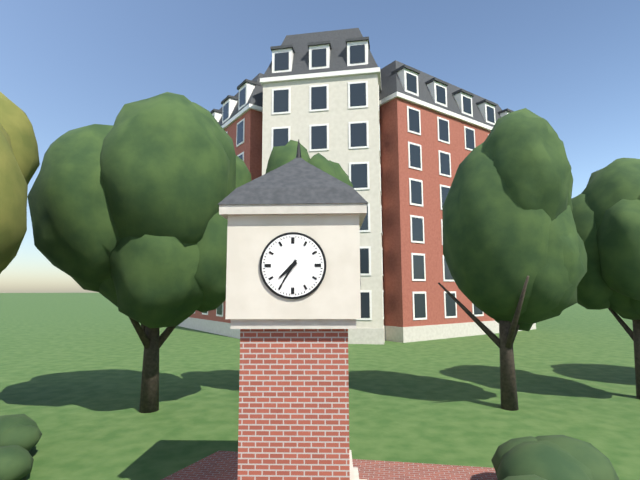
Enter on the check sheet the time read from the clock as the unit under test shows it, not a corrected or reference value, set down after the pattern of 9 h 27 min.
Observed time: 7 h 35 min
